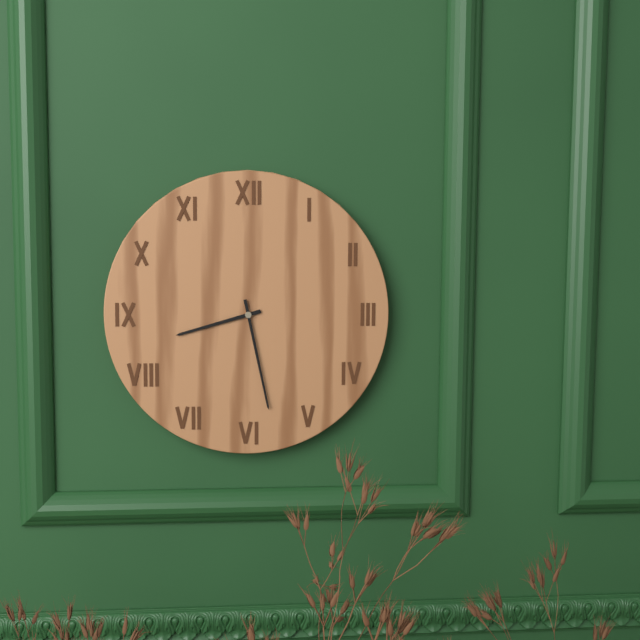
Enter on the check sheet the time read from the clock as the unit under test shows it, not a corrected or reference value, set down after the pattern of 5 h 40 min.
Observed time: 8 h 28 min
